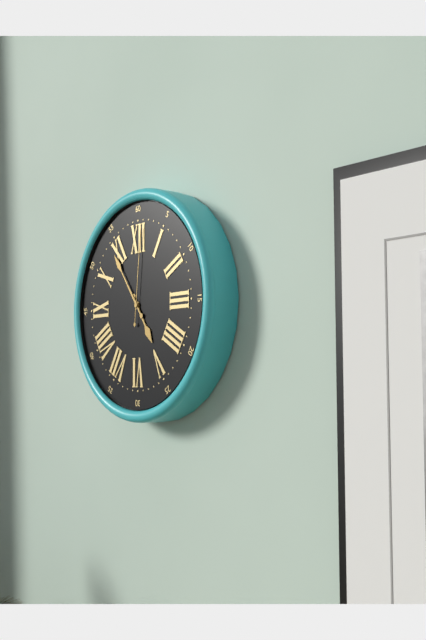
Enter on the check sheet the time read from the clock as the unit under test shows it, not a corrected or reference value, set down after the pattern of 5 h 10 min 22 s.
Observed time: 4 h 54 min 01 s
